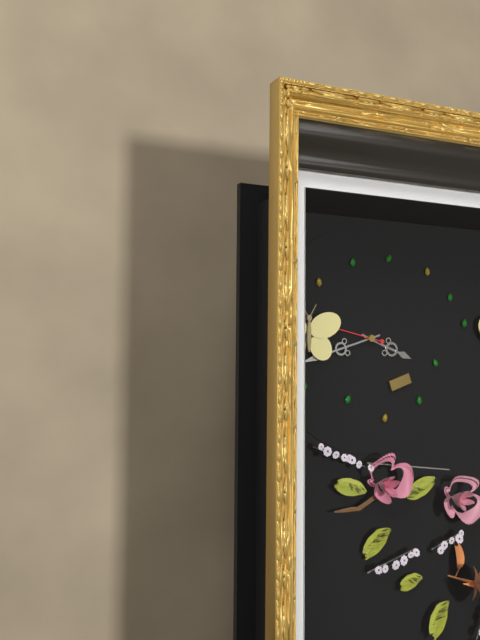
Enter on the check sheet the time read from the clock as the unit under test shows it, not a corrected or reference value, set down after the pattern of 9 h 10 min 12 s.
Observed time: 3 h 42 min 47 s
